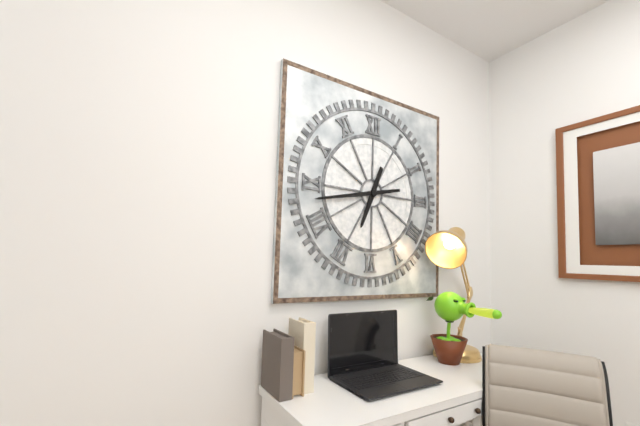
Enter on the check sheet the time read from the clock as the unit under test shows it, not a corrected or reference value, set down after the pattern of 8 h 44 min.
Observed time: 6 h 43 min
